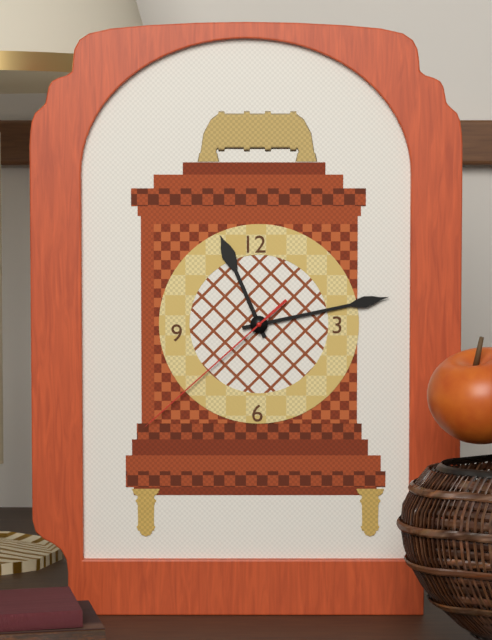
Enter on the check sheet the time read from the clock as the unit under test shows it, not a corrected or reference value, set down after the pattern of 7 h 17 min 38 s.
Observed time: 11 h 13 min 38 s
